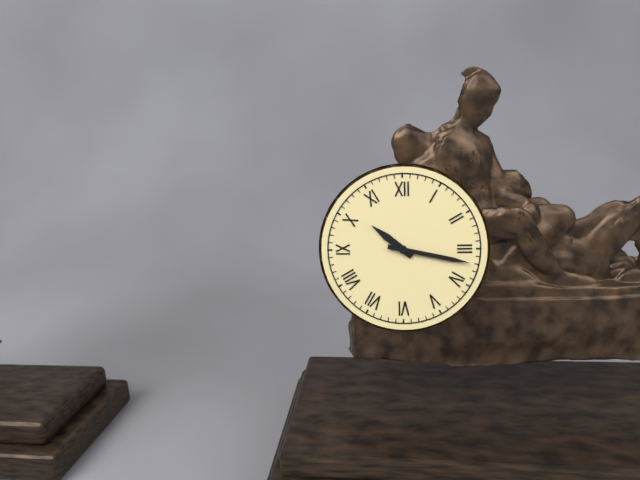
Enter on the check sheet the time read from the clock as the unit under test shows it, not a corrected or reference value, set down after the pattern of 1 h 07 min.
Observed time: 10 h 17 min
